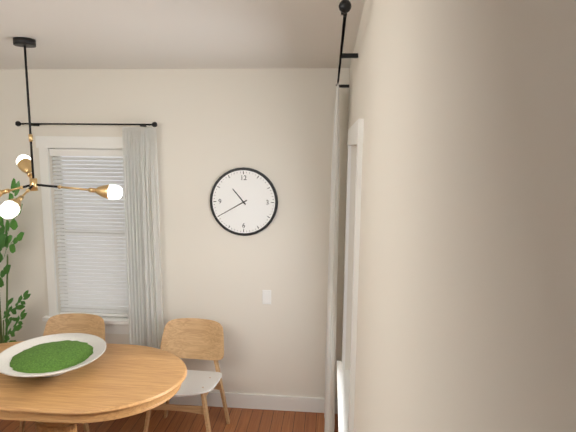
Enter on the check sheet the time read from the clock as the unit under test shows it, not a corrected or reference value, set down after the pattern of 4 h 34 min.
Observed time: 10 h 40 min
